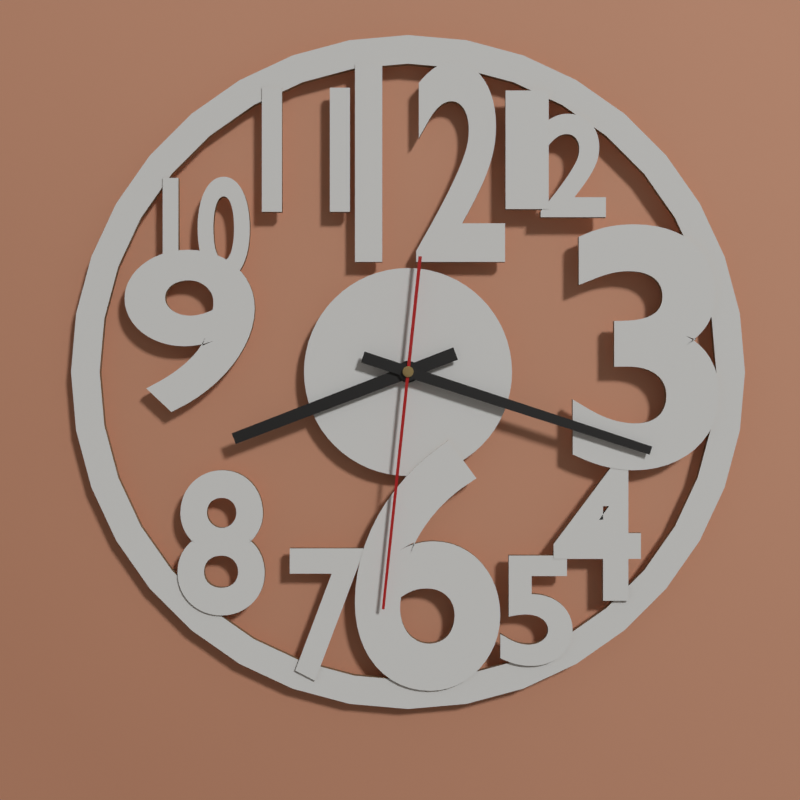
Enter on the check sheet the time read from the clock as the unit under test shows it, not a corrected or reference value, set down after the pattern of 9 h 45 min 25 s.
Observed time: 8 h 18 min 31 s
